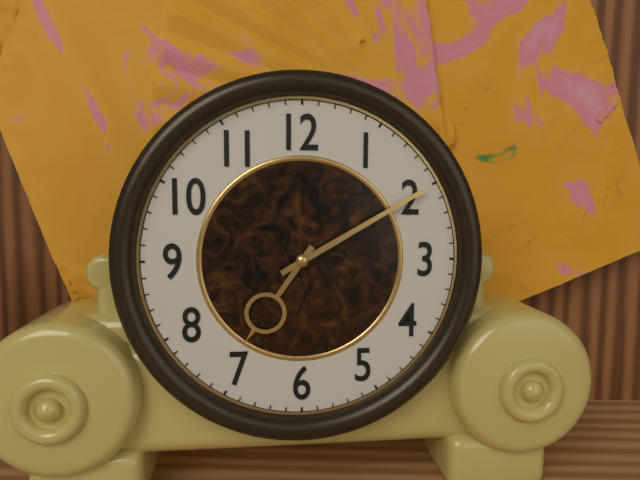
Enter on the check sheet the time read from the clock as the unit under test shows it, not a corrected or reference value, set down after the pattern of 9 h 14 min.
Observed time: 7 h 10 min
